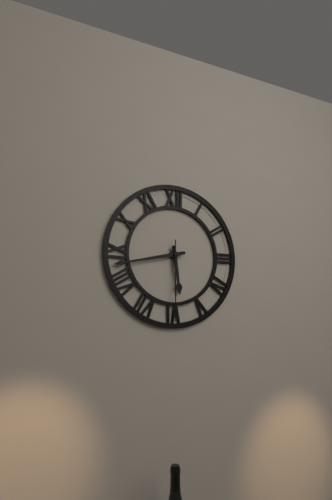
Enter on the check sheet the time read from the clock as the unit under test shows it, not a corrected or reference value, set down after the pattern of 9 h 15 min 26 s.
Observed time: 5 h 43 min 30 s
